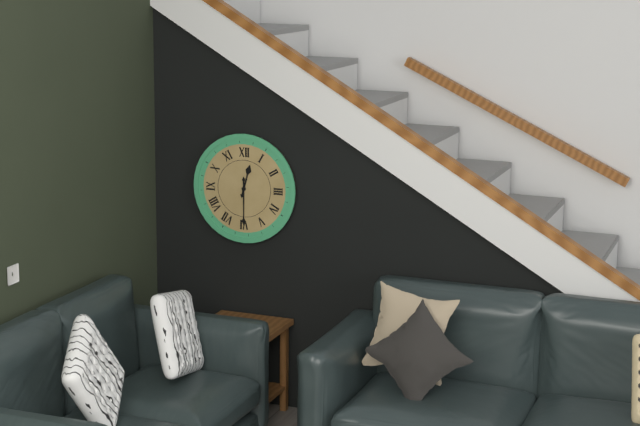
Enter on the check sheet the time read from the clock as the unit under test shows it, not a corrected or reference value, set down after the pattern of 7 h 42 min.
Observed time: 12 h 30 min
